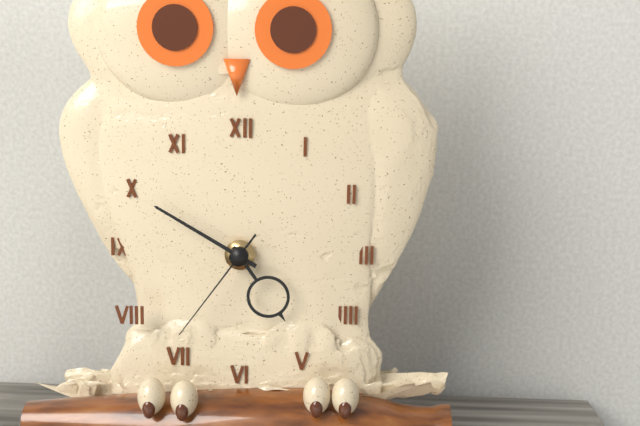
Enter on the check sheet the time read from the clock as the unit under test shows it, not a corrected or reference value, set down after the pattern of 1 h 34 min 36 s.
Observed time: 4 h 50 min 36 s
